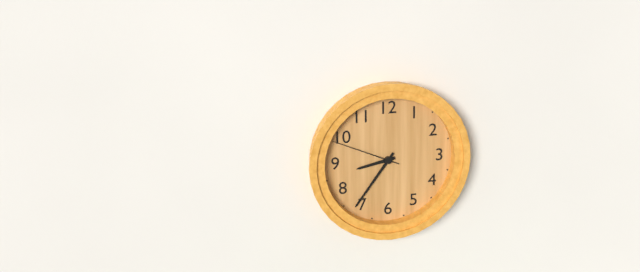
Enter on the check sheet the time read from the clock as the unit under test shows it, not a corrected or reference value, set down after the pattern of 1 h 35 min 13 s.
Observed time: 8 h 36 min 49 s
